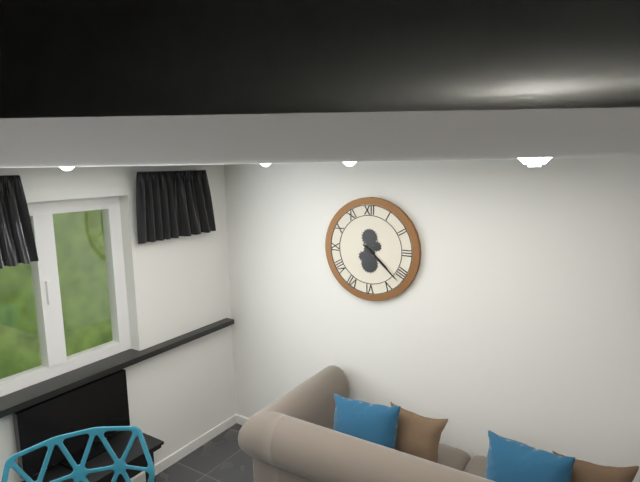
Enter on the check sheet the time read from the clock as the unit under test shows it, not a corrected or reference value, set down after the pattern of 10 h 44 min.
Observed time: 4 h 22 min
